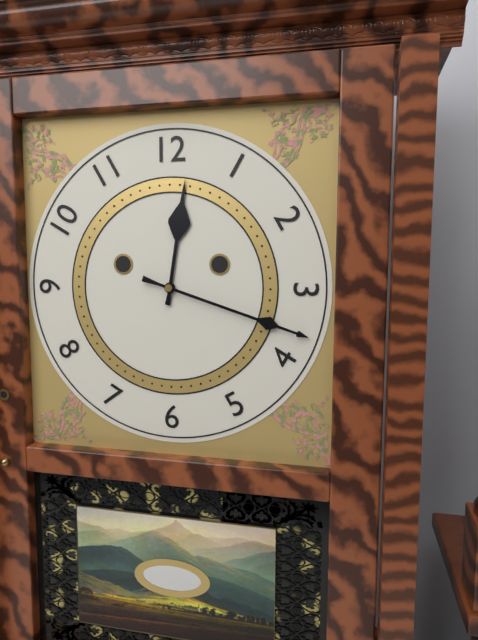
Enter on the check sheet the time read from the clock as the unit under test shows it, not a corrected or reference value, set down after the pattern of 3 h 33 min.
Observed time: 12 h 18 min
